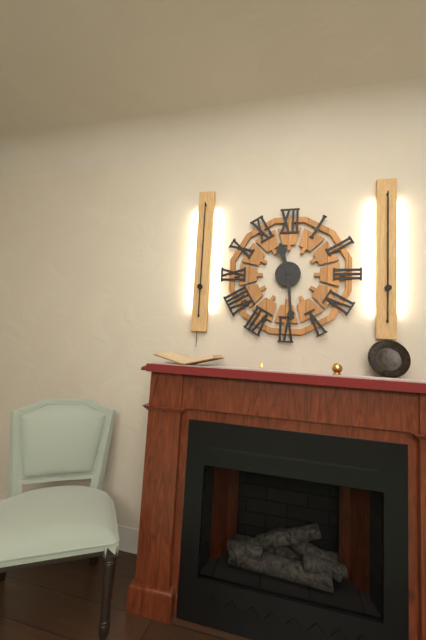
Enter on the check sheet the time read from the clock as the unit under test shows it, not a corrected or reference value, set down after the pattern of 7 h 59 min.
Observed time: 11 h 29 min
